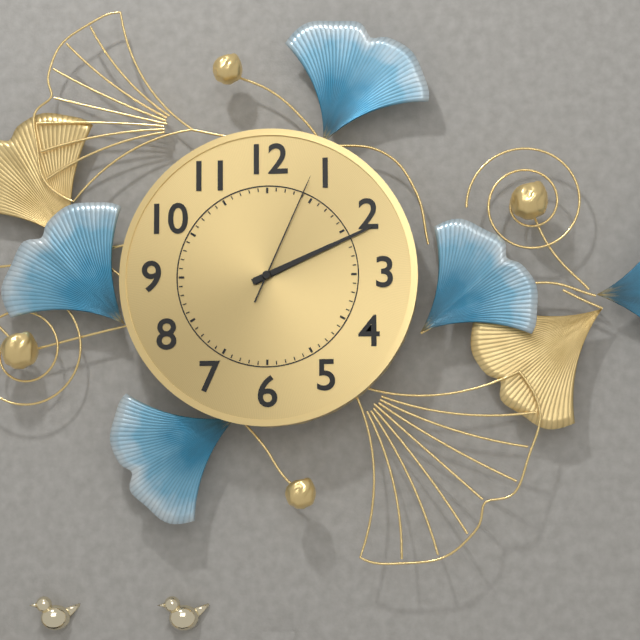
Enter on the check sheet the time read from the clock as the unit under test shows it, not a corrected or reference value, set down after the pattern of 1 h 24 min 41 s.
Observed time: 2 h 11 min 04 s
